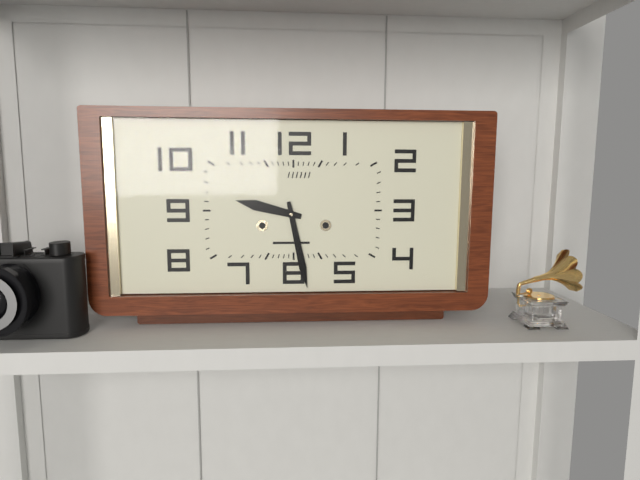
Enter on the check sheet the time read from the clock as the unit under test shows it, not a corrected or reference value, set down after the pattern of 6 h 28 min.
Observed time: 9 h 28 min
